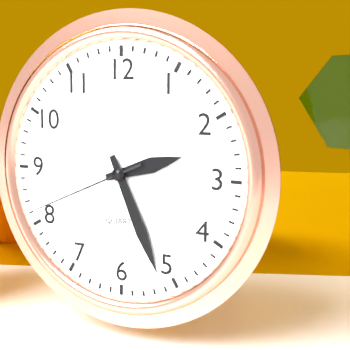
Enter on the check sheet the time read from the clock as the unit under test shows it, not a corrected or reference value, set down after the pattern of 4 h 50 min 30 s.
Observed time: 2 h 26 min 41 s
